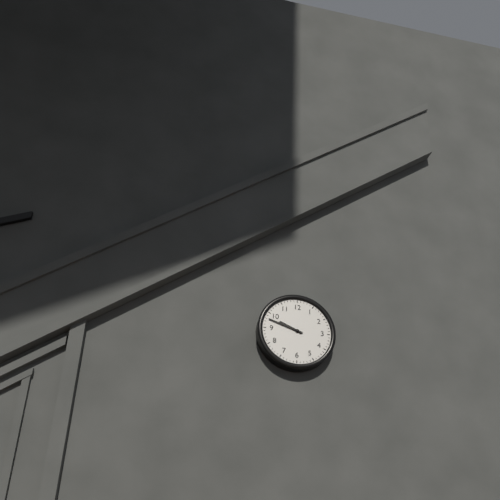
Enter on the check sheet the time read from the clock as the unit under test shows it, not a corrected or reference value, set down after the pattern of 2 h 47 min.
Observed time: 9 h 48 min
